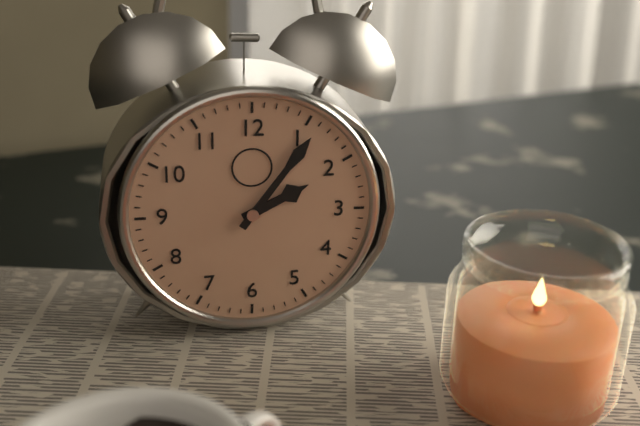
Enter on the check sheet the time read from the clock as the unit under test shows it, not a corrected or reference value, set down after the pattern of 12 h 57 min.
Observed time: 2 h 06 min
